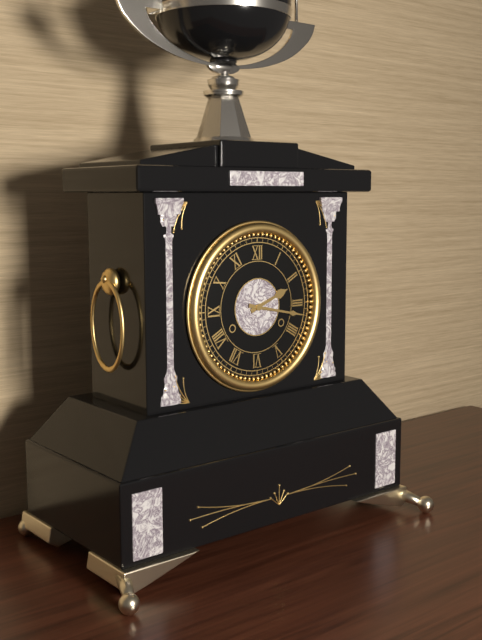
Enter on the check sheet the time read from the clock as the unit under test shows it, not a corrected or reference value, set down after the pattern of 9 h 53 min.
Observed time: 2 h 17 min
